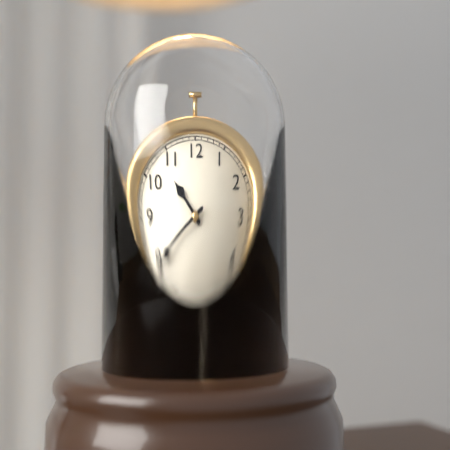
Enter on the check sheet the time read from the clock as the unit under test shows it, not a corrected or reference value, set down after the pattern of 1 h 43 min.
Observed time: 10 h 39 min
